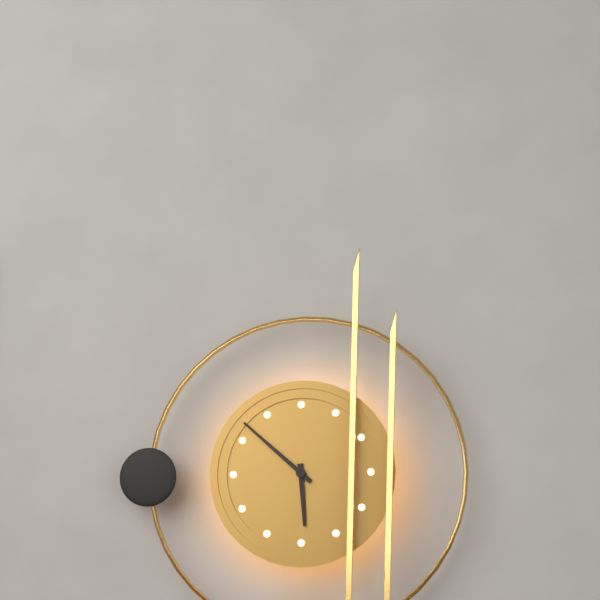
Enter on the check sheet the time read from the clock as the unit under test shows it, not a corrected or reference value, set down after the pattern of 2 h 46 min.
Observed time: 5 h 52 min
